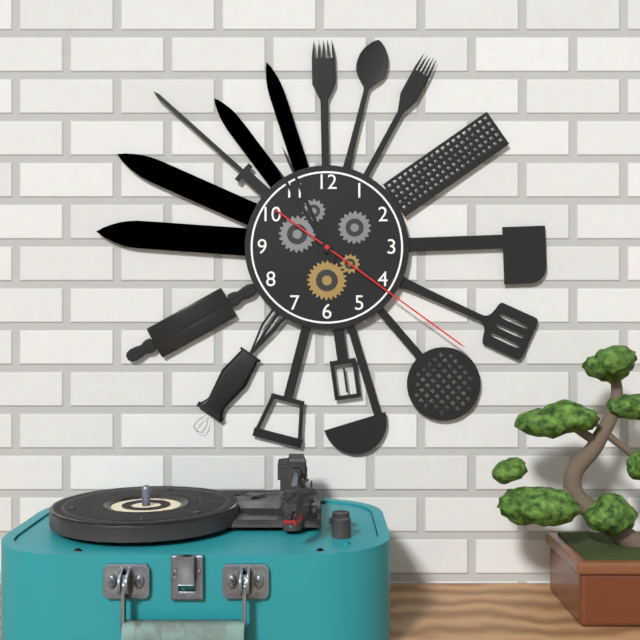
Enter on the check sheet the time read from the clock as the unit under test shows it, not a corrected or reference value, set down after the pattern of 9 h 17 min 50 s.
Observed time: 10 h 56 min 21 s
